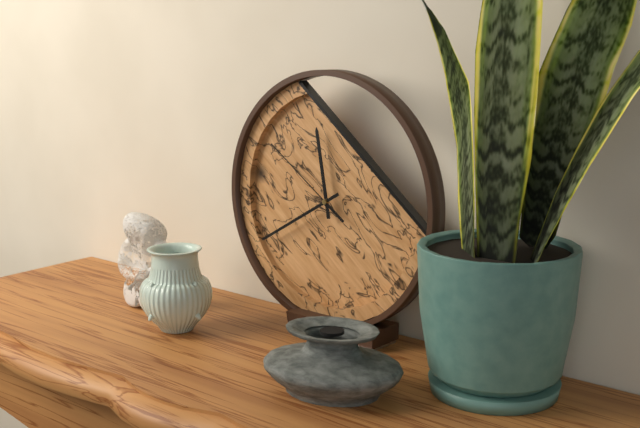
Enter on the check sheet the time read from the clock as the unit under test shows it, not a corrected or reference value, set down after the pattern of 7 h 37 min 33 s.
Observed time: 11 h 40 min 51 s
